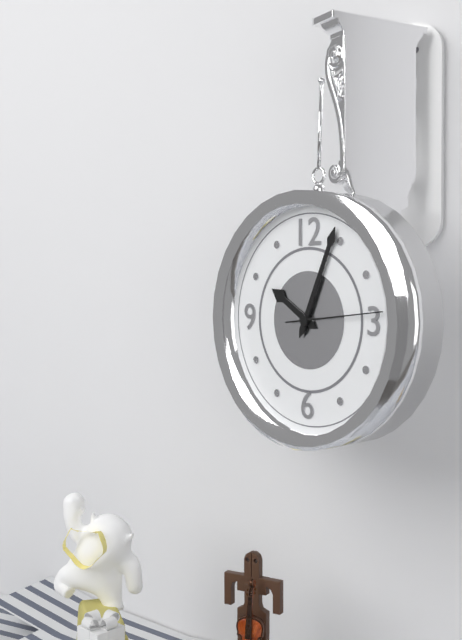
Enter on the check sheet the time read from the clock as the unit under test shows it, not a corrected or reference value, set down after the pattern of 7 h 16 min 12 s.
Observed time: 10 h 04 min 14 s
